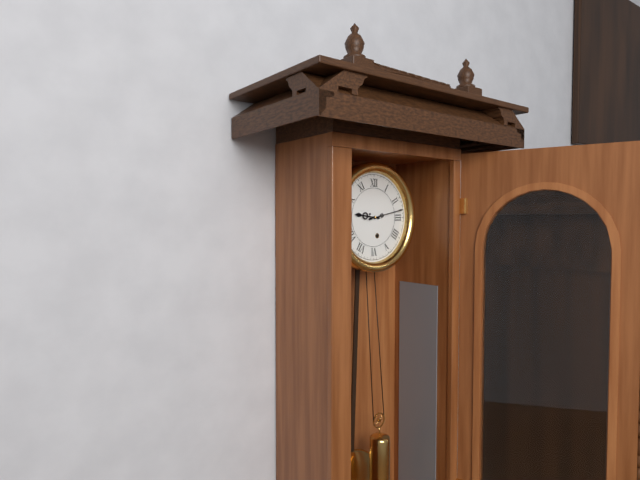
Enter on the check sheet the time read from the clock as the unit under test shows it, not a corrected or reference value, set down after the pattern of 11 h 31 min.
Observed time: 9 h 13 min
